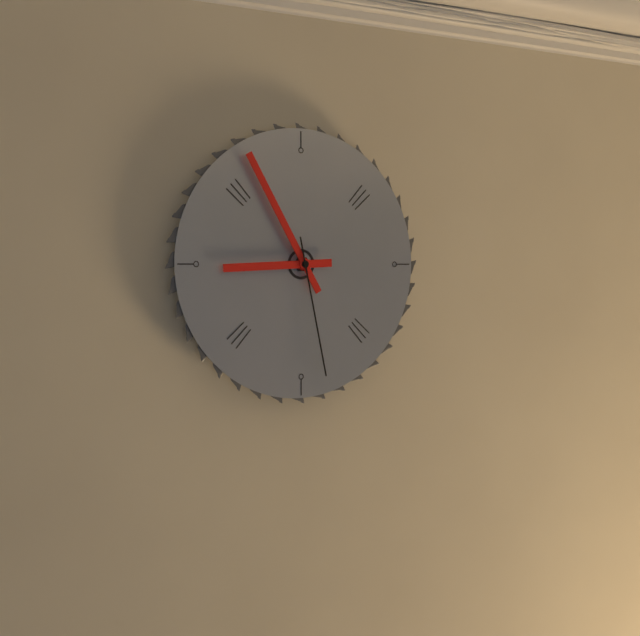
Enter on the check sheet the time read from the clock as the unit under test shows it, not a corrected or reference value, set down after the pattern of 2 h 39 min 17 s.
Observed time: 8 h 55 min 28 s
